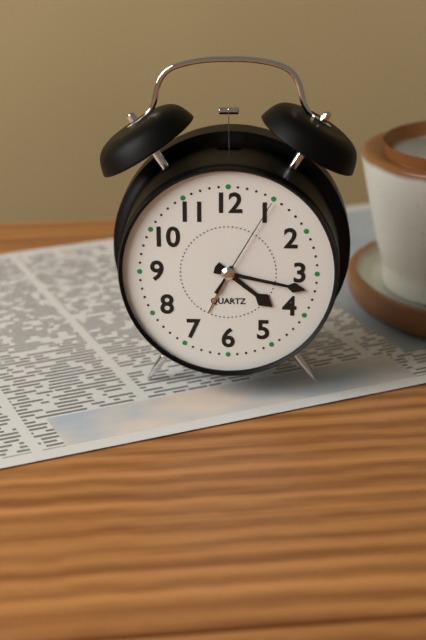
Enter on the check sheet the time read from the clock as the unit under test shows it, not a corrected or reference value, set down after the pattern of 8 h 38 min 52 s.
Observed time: 4 h 17 min 05 s
